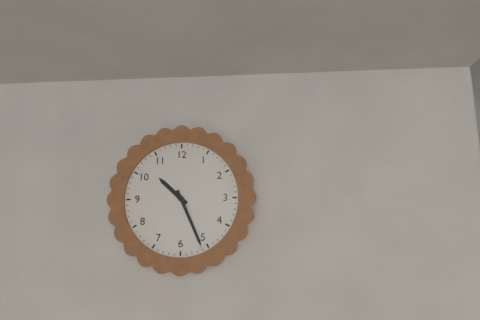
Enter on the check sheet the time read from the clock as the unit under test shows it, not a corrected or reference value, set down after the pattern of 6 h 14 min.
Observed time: 10 h 26 min
